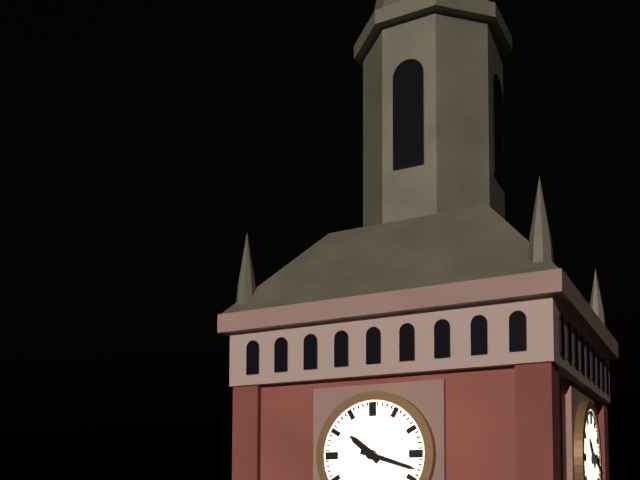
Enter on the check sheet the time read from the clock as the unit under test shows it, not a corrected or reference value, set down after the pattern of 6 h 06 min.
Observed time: 10 h 18 min
